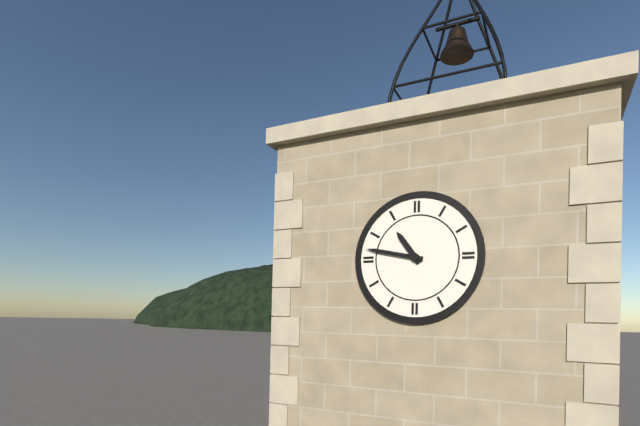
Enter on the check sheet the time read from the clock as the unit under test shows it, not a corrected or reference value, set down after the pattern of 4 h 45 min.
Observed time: 10 h 47 min
